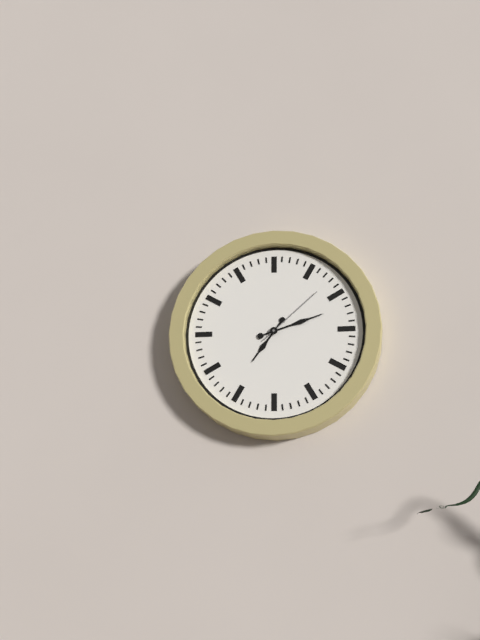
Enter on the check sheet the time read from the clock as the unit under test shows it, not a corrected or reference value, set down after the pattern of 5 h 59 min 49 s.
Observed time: 7 h 12 min 08 s
